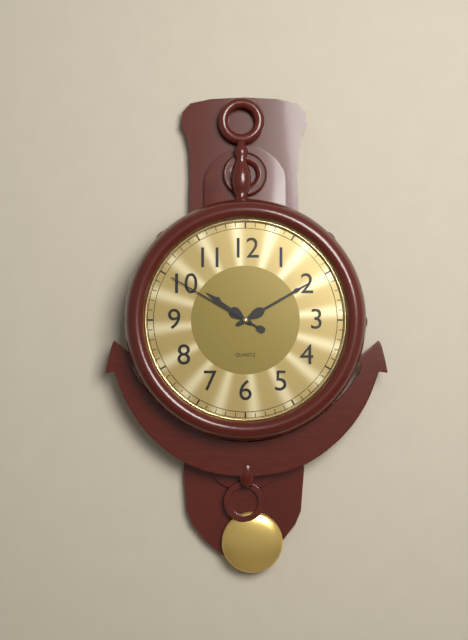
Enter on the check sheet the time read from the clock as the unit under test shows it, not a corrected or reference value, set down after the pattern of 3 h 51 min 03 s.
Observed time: 10 h 10 min 50 s
